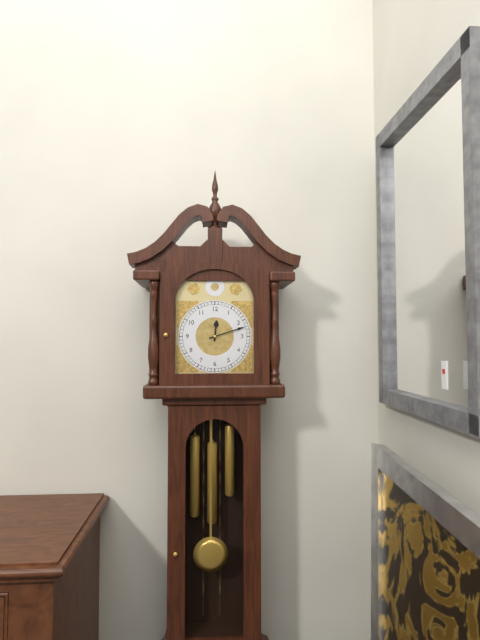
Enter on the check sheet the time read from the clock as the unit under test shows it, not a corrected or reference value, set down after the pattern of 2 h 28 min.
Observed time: 12 h 12 min
